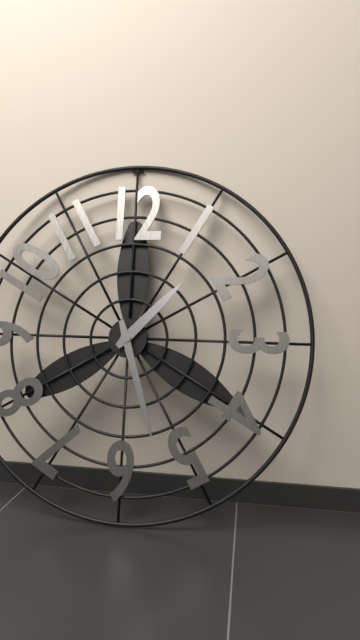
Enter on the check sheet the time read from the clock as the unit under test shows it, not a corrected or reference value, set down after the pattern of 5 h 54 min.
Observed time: 1 h 27 min
